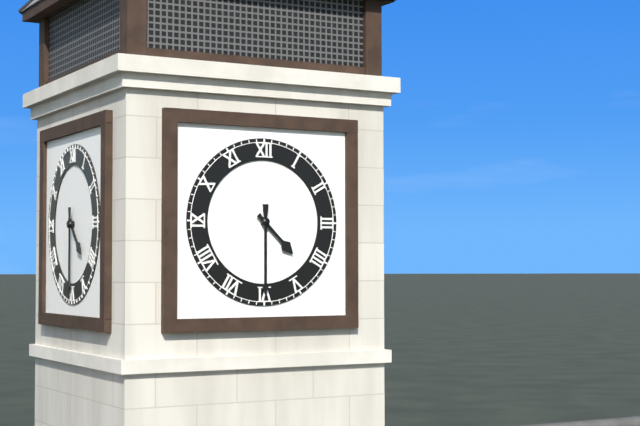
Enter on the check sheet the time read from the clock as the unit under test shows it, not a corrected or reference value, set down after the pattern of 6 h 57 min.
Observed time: 4 h 30 min
